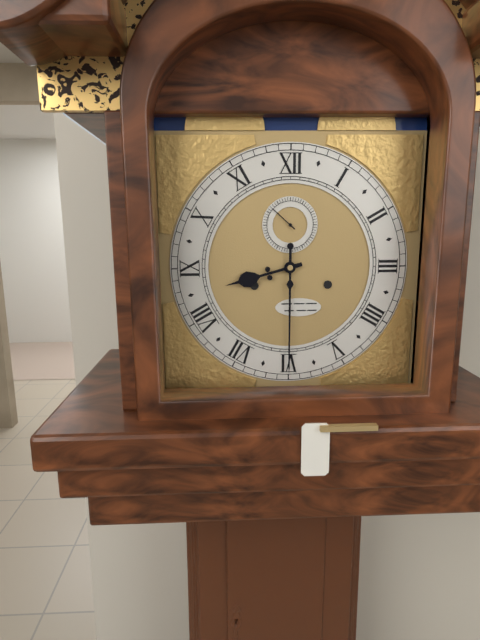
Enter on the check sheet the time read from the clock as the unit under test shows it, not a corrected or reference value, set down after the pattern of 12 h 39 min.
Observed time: 8 h 30 min
